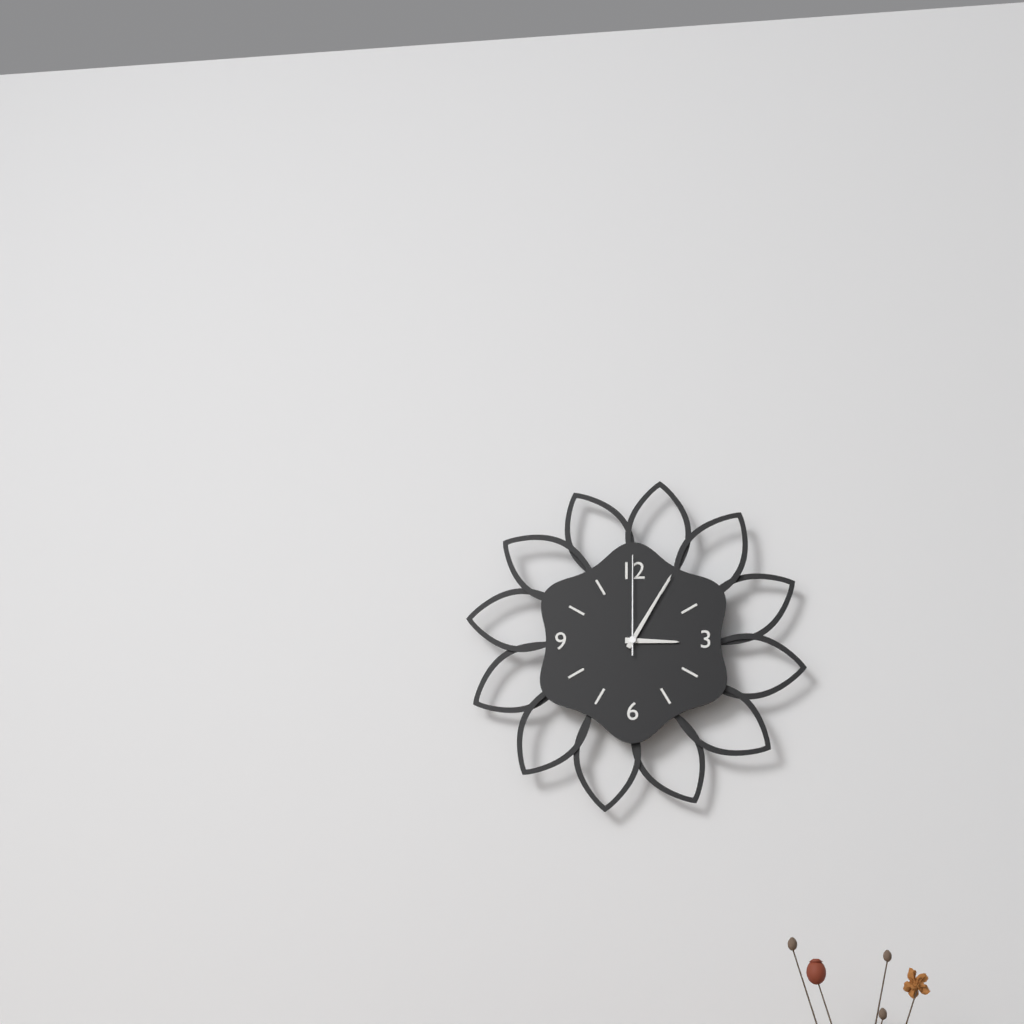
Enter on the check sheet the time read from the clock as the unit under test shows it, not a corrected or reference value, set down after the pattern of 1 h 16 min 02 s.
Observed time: 3 h 05 min 00 s
